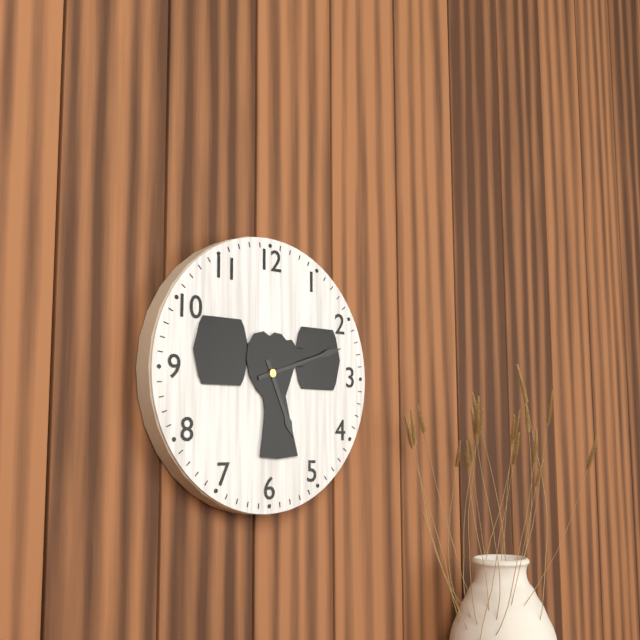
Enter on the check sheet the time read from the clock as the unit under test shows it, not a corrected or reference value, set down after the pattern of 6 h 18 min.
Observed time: 5 h 12 min
